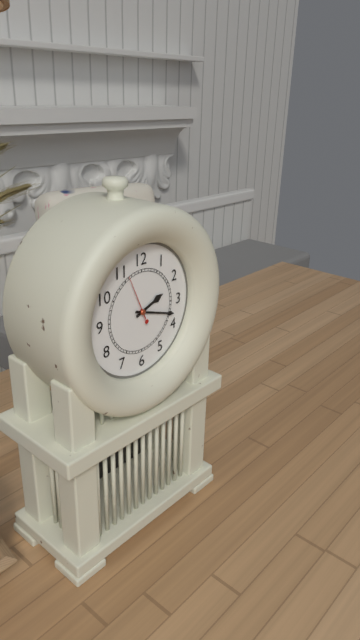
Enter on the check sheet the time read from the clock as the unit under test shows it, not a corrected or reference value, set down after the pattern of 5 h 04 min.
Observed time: 2 h 18 min
